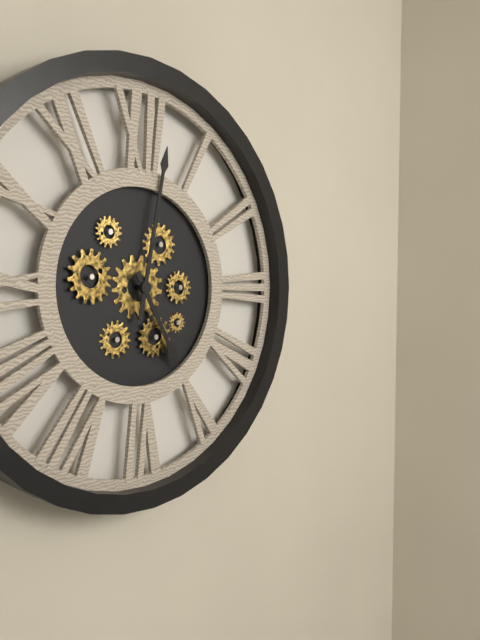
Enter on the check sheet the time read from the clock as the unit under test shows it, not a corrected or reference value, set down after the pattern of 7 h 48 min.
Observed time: 5 h 02 min
